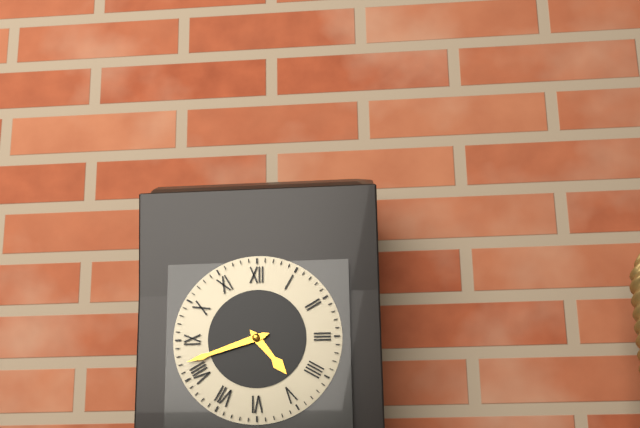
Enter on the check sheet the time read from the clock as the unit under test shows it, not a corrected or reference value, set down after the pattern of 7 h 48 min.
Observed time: 4 h 42 min
